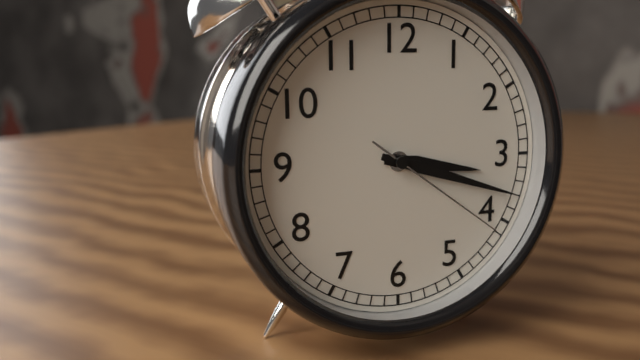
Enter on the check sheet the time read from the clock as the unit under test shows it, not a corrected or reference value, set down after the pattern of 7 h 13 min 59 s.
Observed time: 3 h 18 min 21 s
